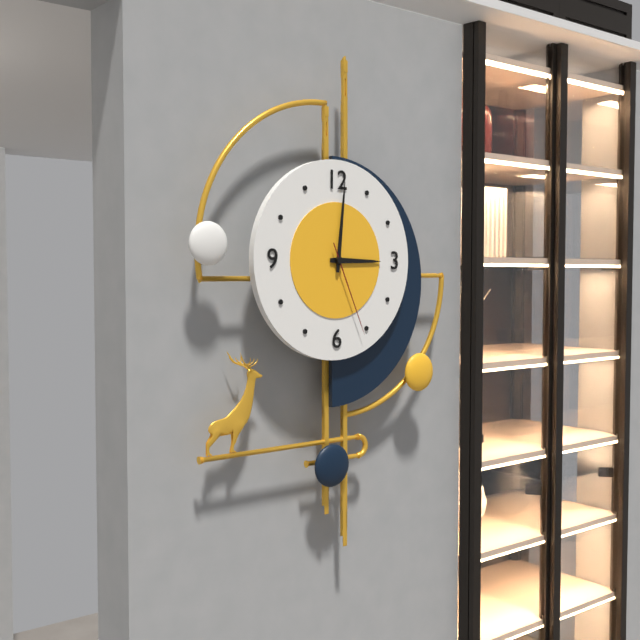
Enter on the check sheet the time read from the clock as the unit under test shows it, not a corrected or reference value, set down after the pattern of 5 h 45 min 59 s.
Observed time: 3 h 01 min 26 s
